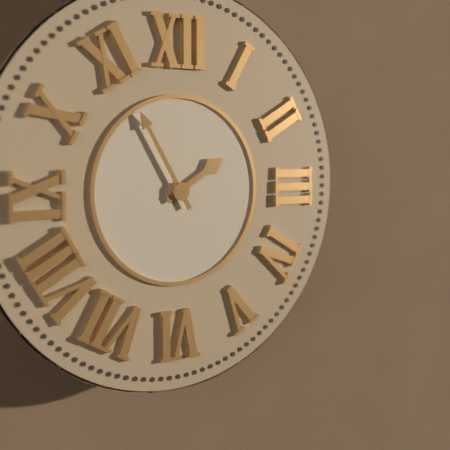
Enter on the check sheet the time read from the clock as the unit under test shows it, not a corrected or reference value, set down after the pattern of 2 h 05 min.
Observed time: 1 h 55 min
